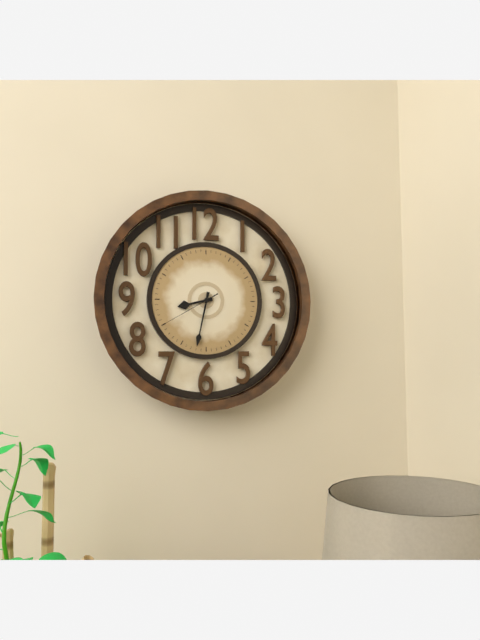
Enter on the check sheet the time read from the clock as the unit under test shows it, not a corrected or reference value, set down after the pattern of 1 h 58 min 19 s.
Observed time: 8 h 32 min 40 s
